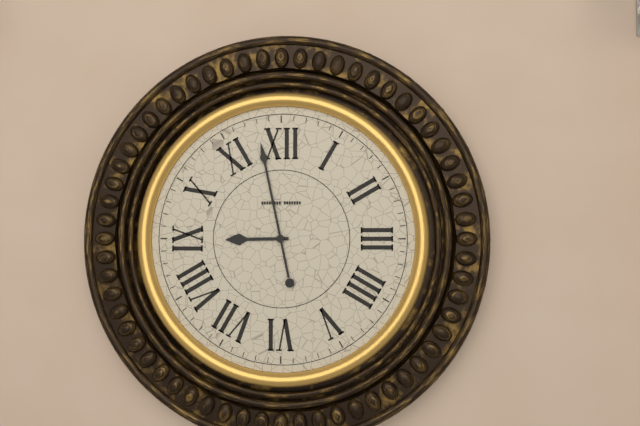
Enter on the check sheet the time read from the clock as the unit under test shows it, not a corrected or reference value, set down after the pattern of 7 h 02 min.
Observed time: 8 h 58 min
